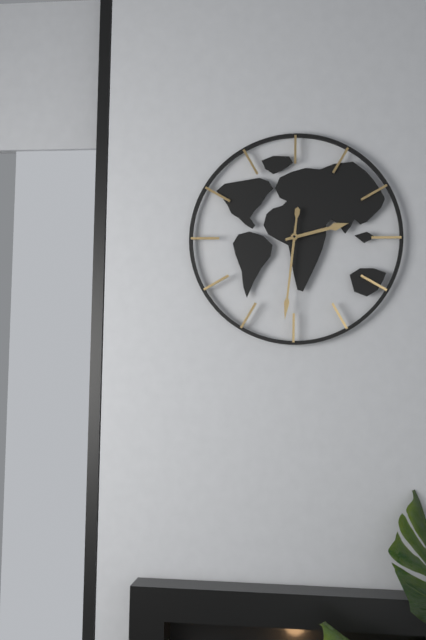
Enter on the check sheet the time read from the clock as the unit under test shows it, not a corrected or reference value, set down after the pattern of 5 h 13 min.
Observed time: 2 h 31 min
